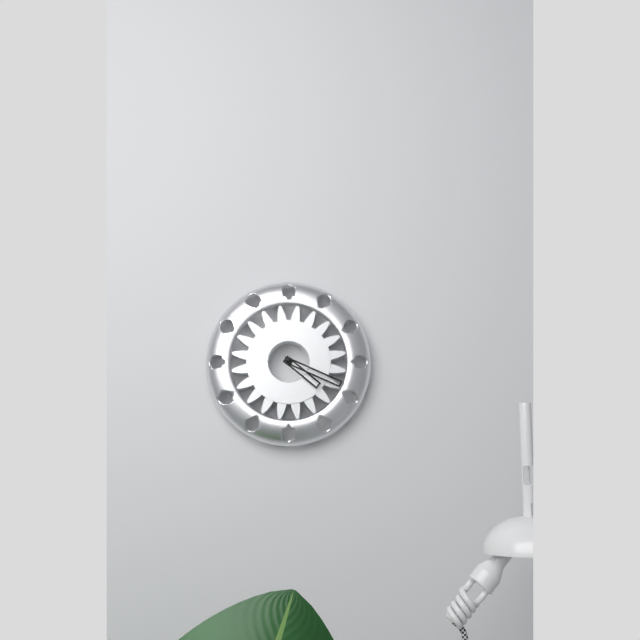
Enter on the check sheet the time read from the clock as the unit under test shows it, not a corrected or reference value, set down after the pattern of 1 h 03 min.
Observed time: 4 h 19 min
